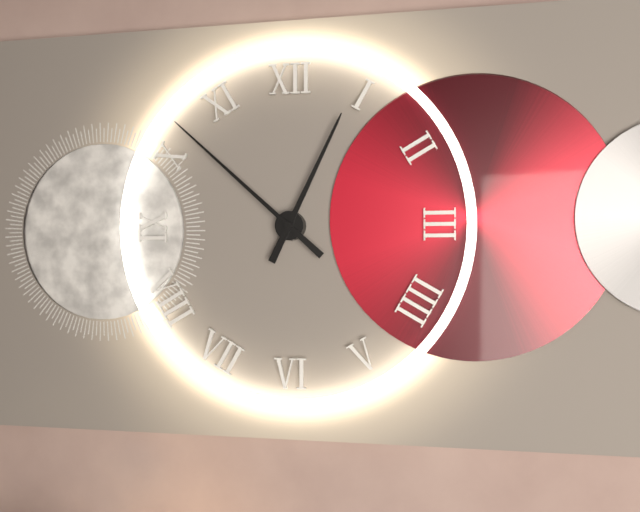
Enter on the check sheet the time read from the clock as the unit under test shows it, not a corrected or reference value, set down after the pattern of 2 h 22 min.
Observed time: 12 h 52 min
